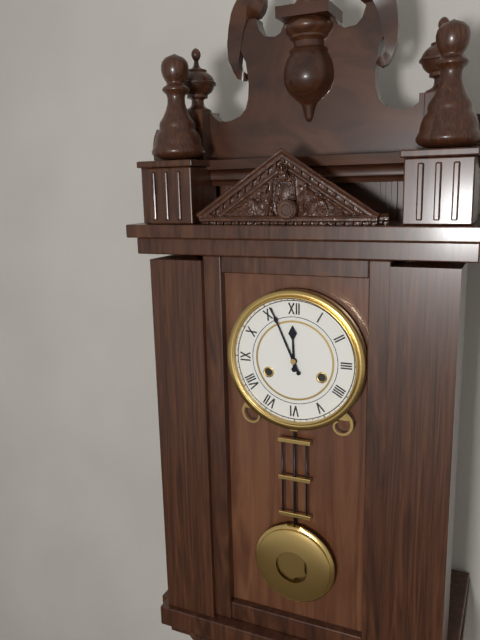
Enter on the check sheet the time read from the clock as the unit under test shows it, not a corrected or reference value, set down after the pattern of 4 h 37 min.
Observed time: 11 h 56 min
